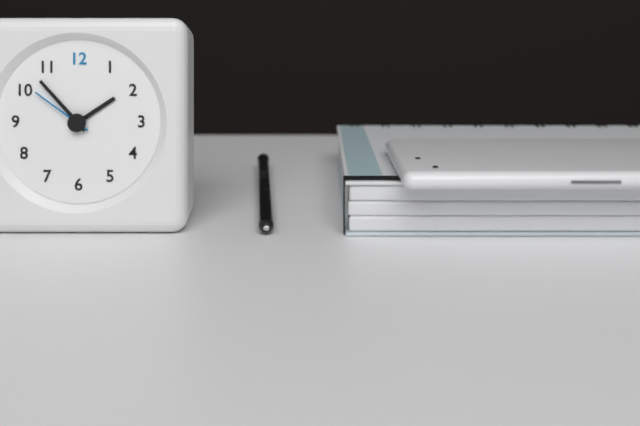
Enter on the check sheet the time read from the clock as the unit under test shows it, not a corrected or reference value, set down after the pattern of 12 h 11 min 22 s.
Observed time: 1 h 53 min 51 s
